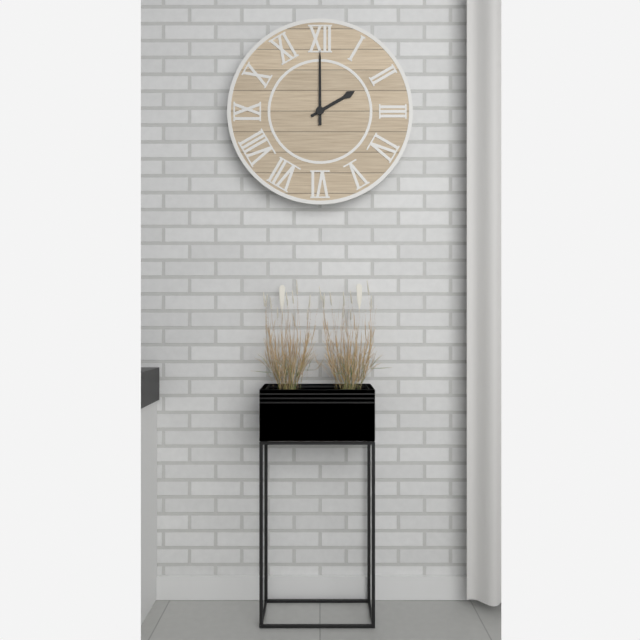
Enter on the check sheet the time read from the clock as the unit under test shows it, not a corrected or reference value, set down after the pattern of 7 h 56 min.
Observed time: 2 h 00 min
